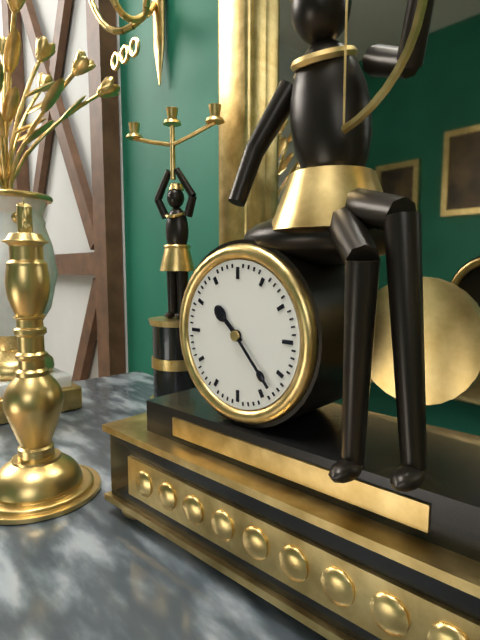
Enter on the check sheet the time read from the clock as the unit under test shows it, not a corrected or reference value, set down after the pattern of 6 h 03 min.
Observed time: 10 h 23 min
